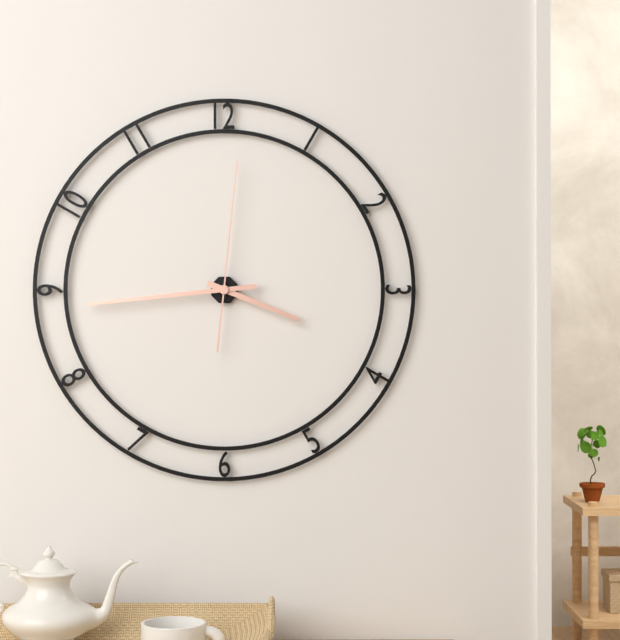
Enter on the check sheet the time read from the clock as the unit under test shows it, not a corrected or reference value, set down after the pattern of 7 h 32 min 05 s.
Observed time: 3 h 44 min 01 s
